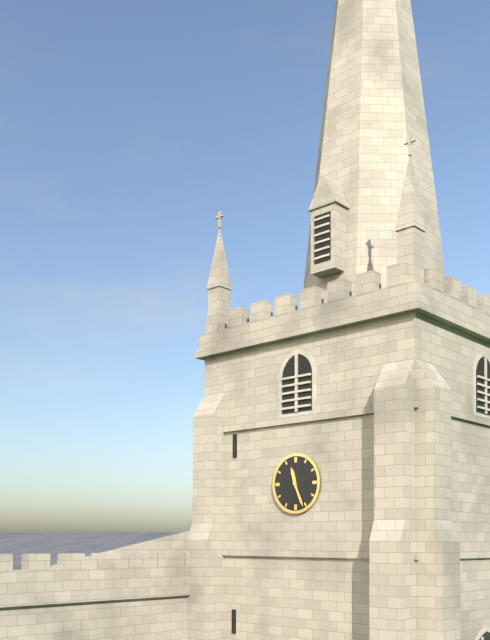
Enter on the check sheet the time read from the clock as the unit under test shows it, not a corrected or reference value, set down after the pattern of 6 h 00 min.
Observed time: 11 h 26 min
